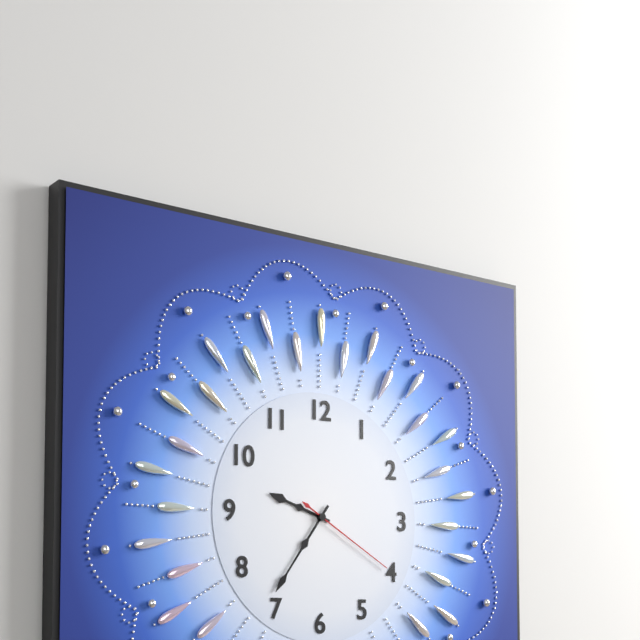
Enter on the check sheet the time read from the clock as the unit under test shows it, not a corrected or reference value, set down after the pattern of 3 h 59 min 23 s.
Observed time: 9 h 36 min 20 s
